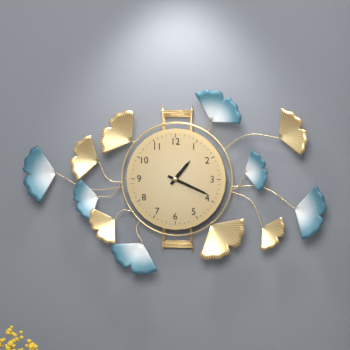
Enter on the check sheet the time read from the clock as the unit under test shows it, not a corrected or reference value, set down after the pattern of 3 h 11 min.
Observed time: 1 h 19 min
